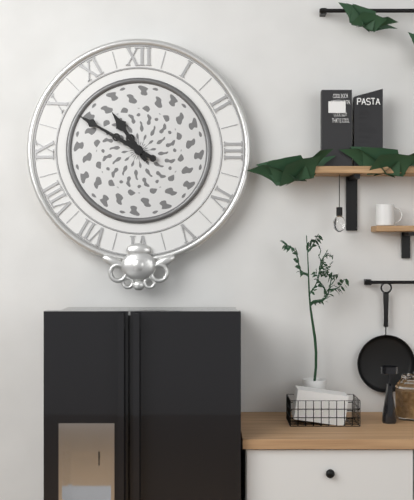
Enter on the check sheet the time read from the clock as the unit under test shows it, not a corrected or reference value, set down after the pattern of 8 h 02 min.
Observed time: 10 h 50 min
